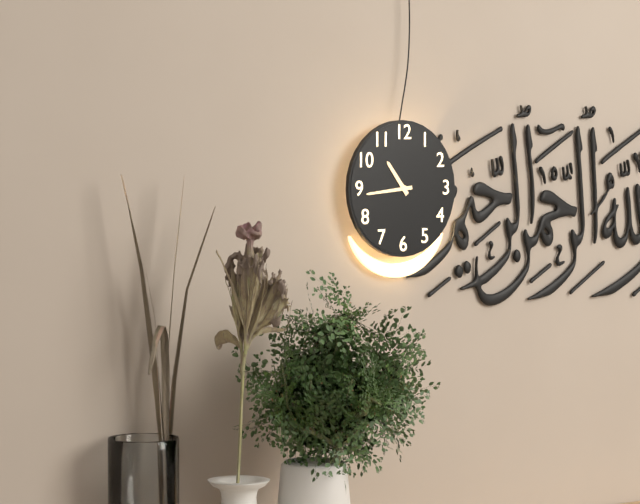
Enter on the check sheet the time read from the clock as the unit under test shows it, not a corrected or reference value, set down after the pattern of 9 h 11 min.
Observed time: 10 h 44 min
